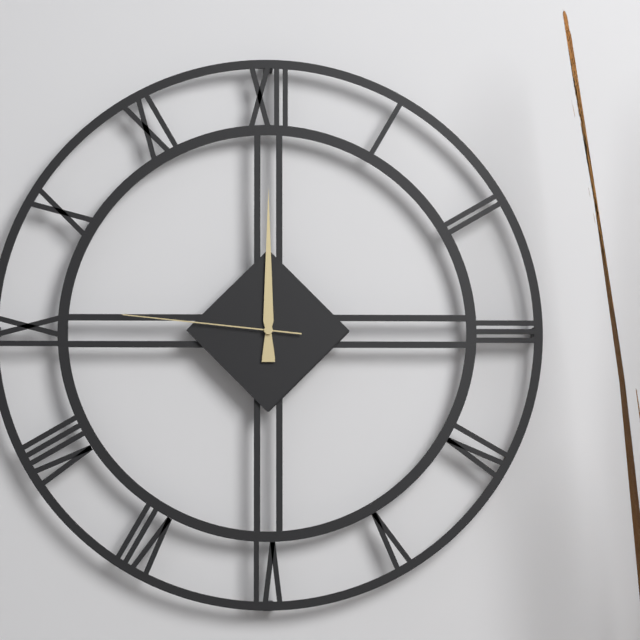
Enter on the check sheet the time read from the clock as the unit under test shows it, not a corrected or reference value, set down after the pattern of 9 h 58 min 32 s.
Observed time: 12 h 00 min 46 s
